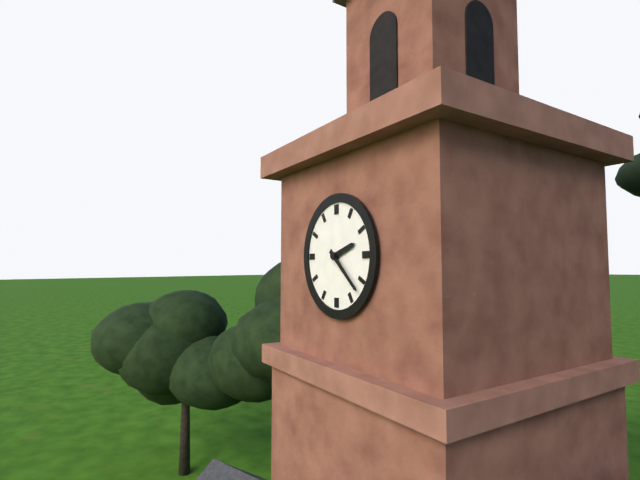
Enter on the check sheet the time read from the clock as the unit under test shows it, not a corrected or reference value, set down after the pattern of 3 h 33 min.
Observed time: 2 h 22 min
